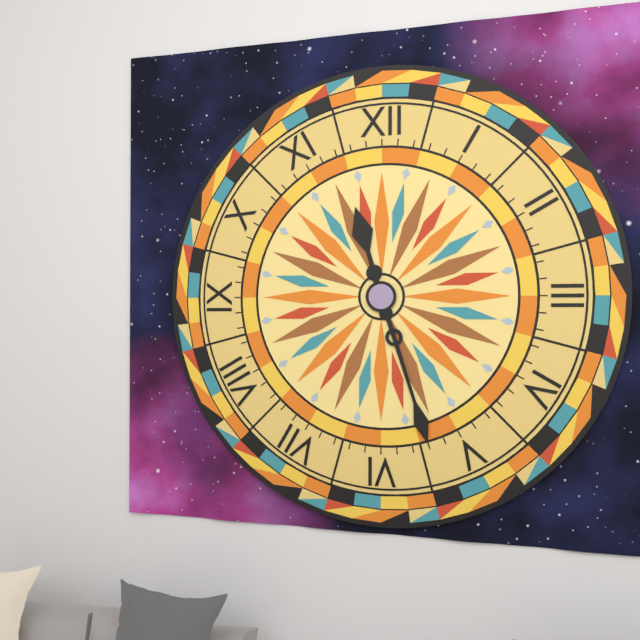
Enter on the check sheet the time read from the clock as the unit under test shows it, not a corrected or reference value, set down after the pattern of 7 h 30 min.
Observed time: 11 h 27 min
